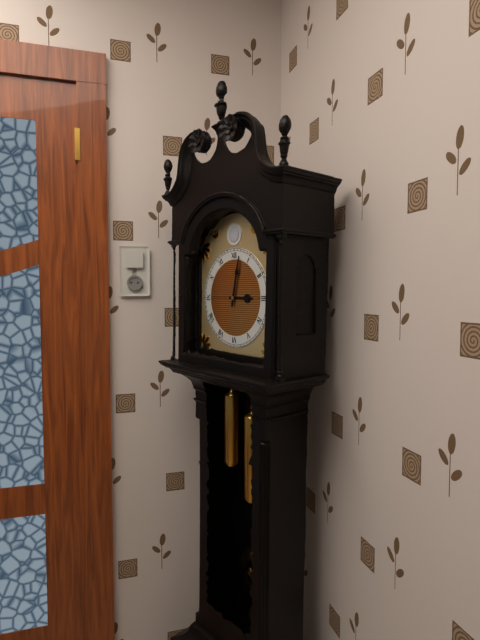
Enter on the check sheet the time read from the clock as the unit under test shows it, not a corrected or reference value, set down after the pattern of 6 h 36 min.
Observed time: 3 h 02 min
